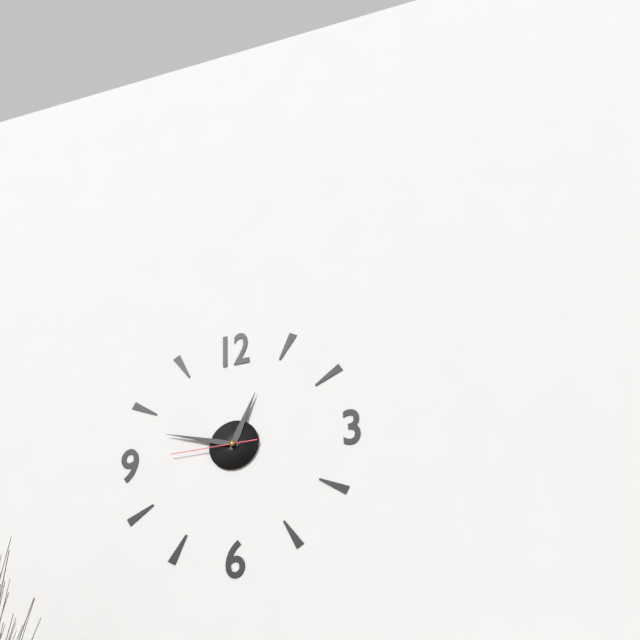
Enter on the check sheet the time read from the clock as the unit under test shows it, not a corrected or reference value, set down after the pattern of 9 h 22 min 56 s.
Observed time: 12 h 48 min 45 s
